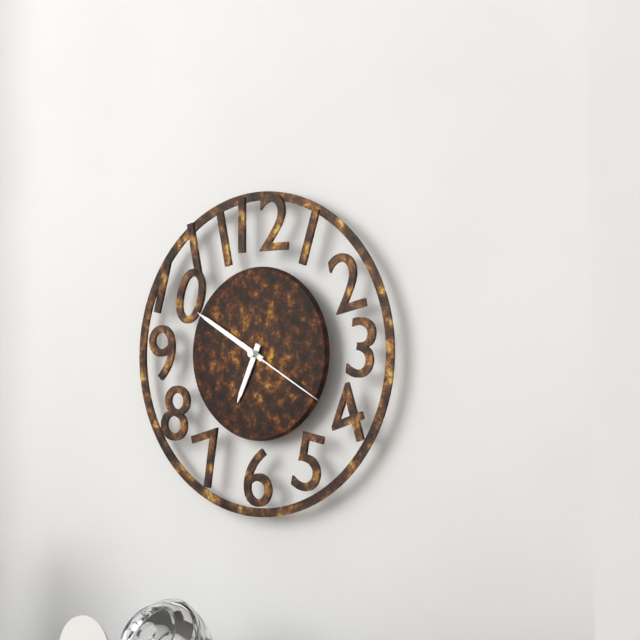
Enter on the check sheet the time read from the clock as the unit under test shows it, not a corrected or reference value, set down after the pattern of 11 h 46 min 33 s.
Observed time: 6 h 50 min 20 s
